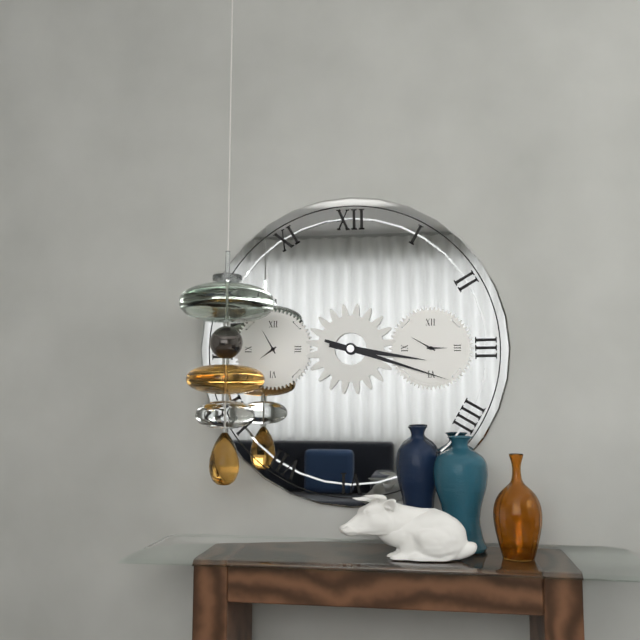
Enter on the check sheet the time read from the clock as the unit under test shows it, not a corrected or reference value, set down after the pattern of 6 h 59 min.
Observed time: 3 h 18 min
